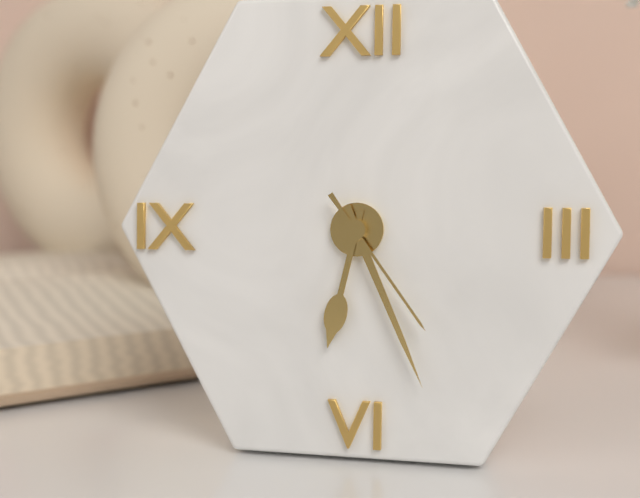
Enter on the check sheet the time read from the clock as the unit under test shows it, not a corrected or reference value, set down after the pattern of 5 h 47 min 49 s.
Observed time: 6 h 26 min 24 s
